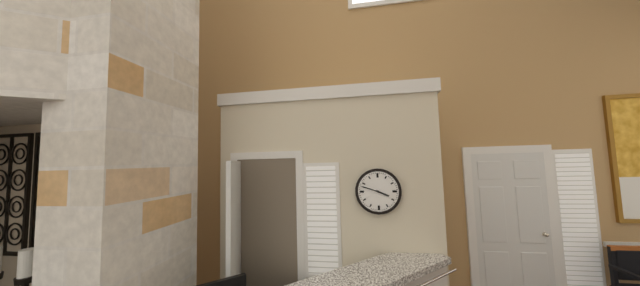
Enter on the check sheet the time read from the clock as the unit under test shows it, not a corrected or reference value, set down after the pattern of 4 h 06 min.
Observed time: 3 h 48 min
